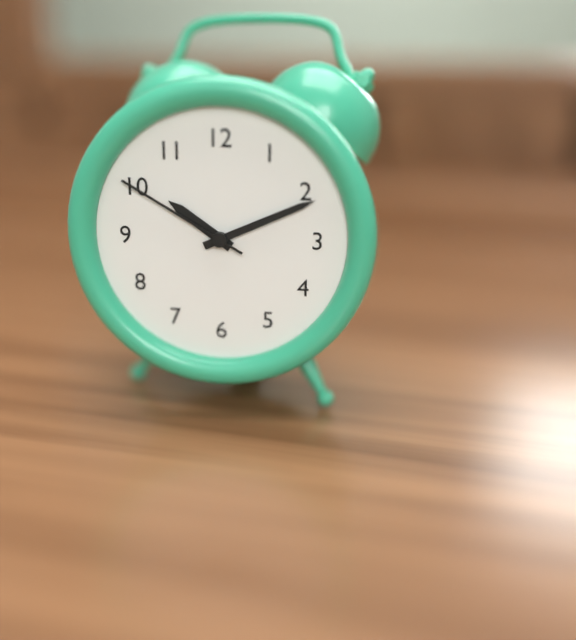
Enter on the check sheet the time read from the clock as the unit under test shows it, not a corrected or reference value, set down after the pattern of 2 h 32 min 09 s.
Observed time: 10 h 11 min 50 s
